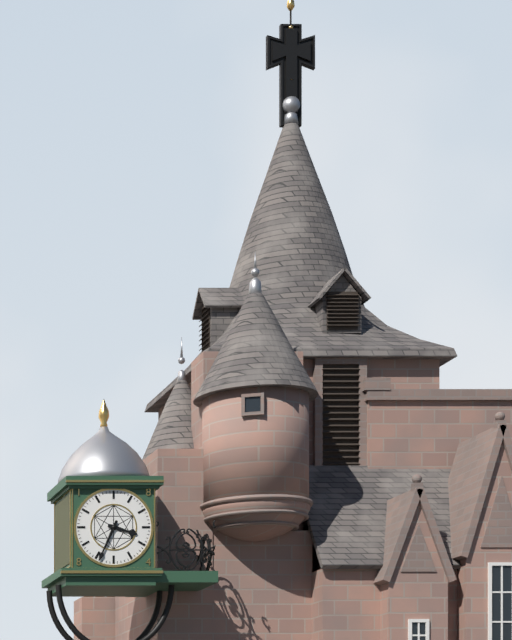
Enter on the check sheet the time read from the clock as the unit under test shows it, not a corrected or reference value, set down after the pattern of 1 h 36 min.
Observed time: 3 h 34 min
